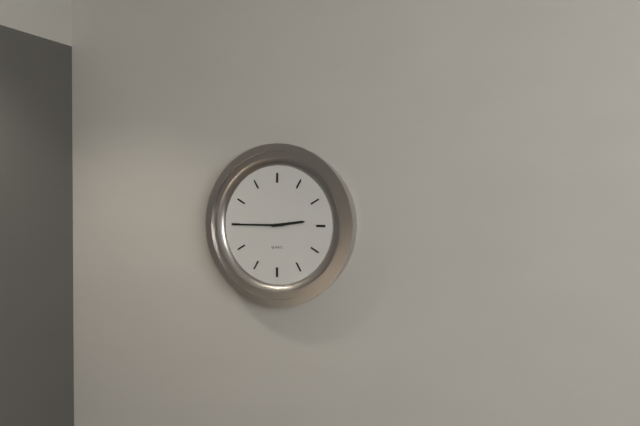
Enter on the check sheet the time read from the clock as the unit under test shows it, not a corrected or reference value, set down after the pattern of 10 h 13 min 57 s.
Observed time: 2 h 45 min 45 s
